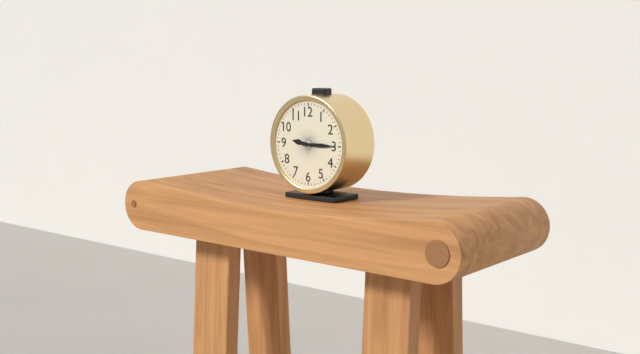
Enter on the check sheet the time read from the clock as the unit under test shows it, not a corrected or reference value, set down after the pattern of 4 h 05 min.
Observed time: 9 h 15 min
